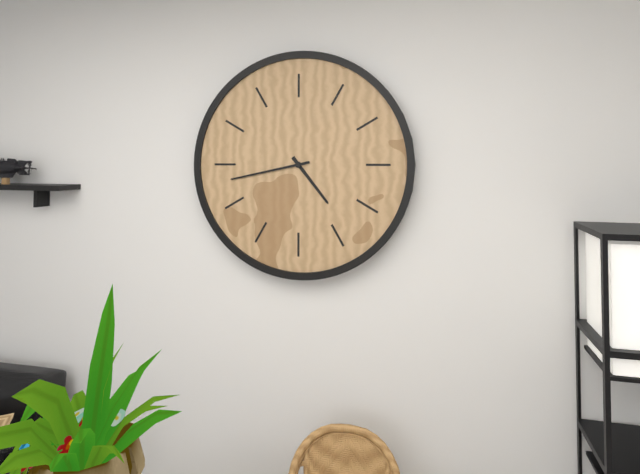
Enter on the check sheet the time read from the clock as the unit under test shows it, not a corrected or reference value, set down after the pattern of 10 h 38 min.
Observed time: 4 h 43 min
